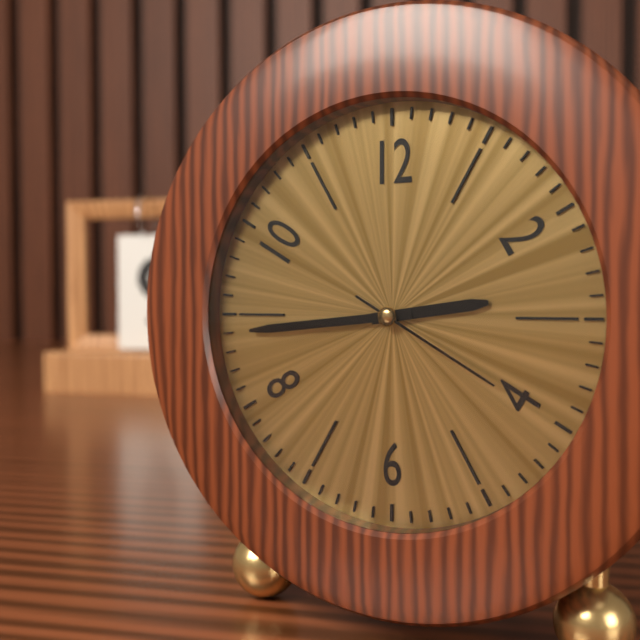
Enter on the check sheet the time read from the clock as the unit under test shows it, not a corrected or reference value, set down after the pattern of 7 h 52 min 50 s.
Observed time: 2 h 44 min 20 s
